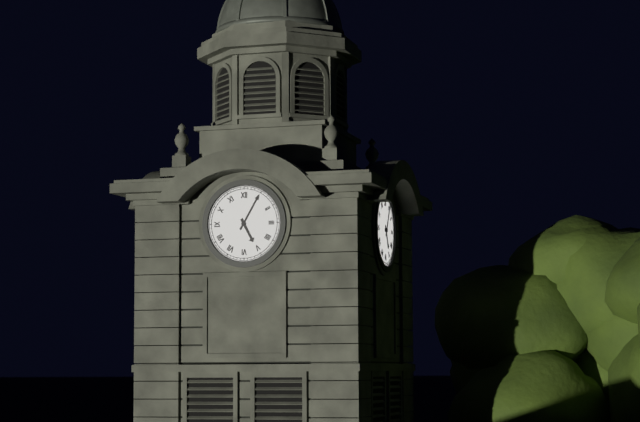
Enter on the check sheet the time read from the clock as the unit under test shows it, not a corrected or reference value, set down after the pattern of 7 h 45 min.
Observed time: 5 h 05 min
